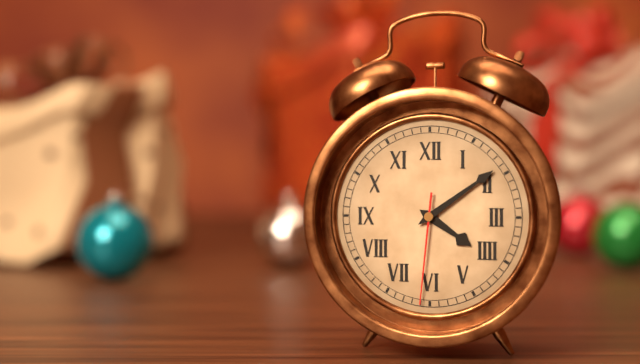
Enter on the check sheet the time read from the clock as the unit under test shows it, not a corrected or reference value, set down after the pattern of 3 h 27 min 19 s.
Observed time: 4 h 09 min 31 s
